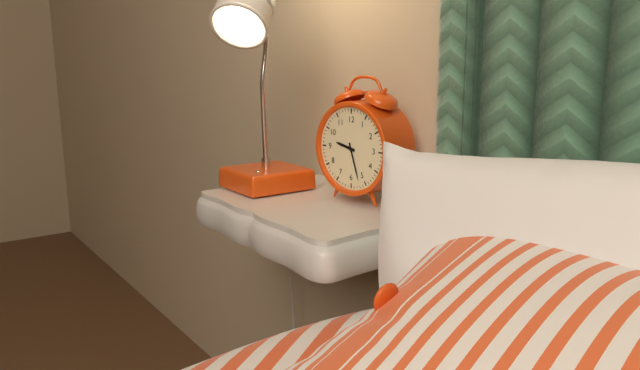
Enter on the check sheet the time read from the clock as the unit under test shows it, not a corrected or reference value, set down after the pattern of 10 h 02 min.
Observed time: 9 h 27 min
